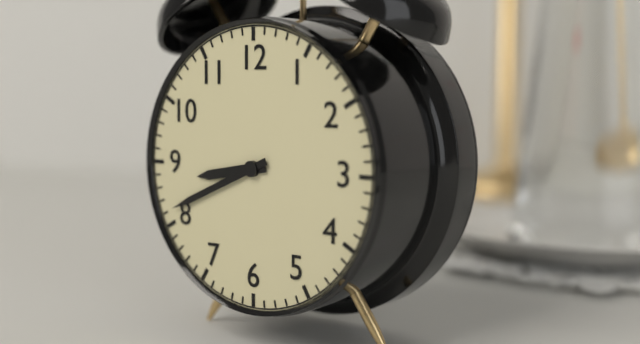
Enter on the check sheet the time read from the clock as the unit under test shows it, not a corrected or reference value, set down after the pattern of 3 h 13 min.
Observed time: 8 h 41 min
